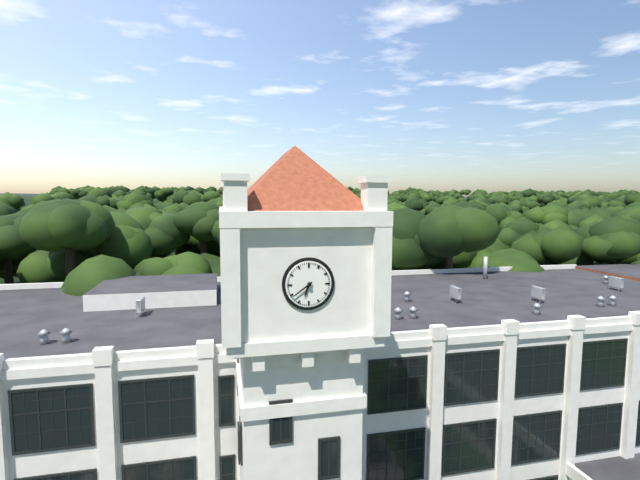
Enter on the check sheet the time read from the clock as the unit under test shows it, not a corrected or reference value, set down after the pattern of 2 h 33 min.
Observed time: 6 h 39 min
